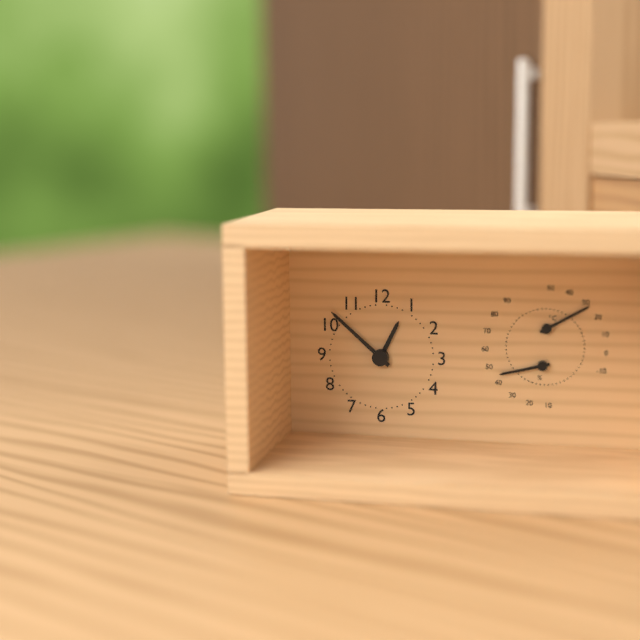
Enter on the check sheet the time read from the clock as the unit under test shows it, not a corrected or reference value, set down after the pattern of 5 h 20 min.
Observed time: 12 h 52 min
